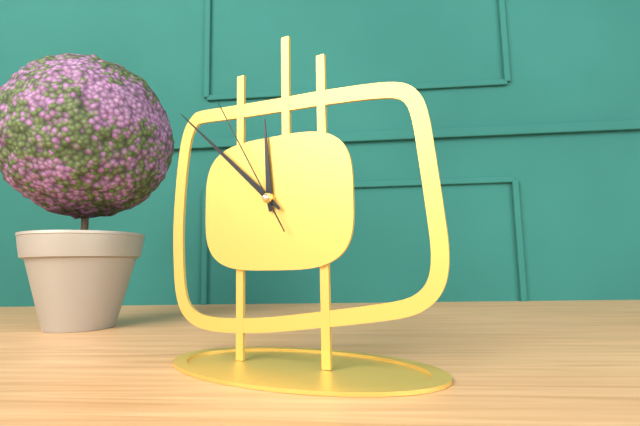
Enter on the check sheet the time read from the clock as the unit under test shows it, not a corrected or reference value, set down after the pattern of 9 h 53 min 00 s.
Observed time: 11 h 52 min 55 s
